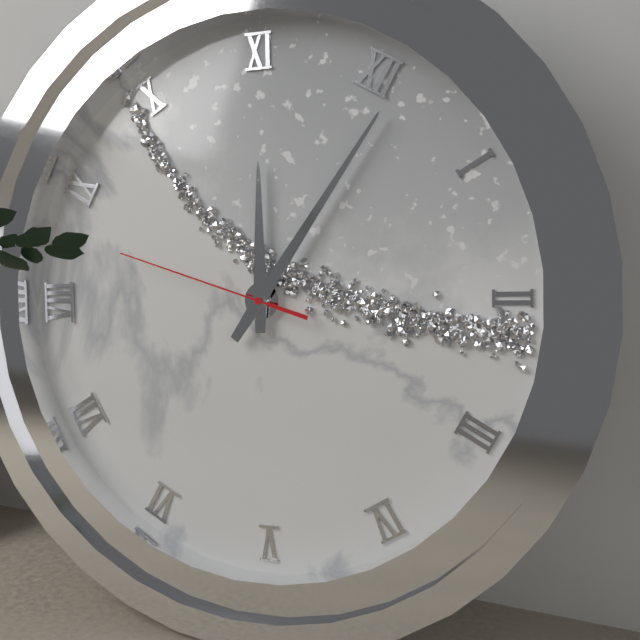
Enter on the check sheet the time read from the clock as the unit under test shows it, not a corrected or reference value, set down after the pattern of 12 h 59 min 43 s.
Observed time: 11 h 01 min 43 s
